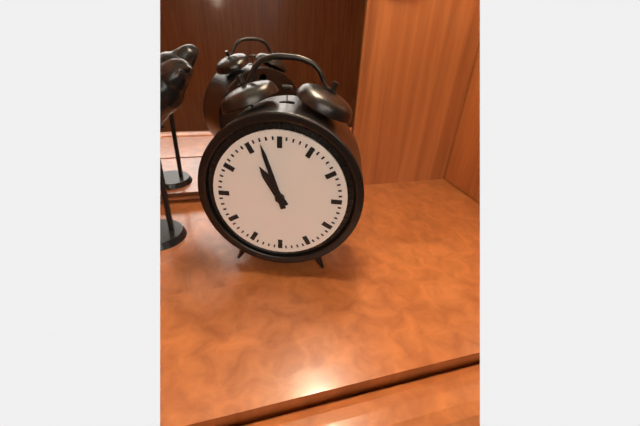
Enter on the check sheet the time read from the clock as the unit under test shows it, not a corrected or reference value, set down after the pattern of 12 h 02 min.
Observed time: 10 h 57 min
